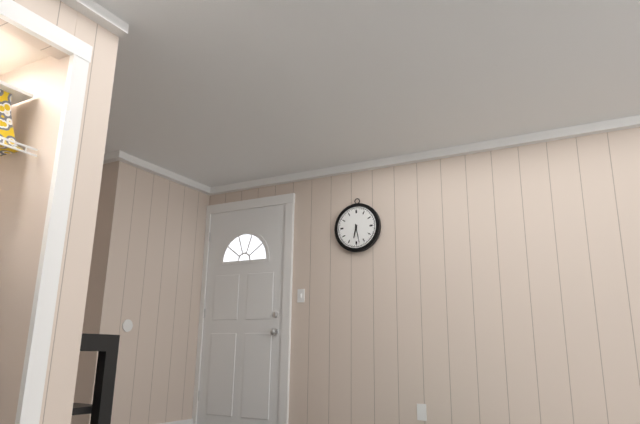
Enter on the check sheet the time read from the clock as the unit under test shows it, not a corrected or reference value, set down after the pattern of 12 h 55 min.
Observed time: 6 h 28 min
